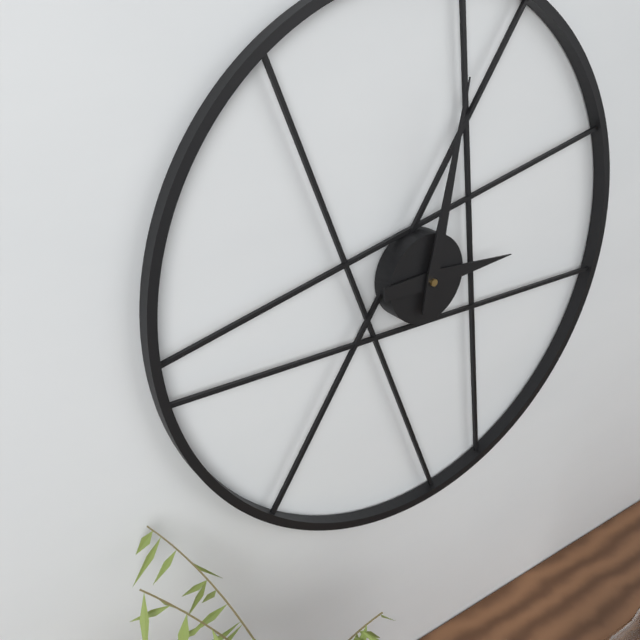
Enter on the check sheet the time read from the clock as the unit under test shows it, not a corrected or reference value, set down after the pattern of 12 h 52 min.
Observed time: 3 h 02 min
